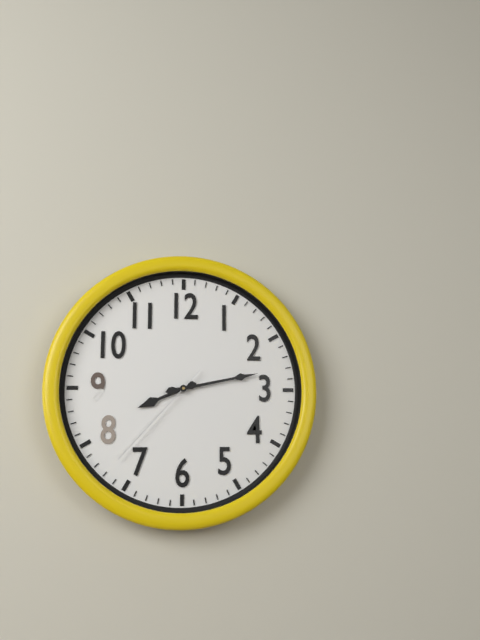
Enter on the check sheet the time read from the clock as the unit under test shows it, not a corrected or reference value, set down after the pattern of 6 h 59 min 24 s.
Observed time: 8 h 13 min 37 s
